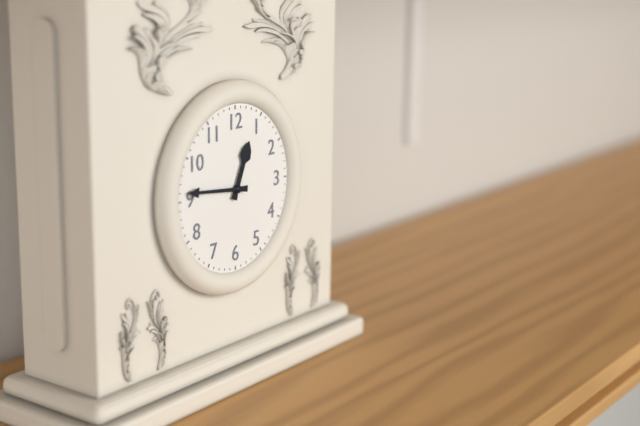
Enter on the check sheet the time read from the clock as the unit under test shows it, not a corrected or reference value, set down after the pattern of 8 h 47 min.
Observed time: 12 h 46 min
